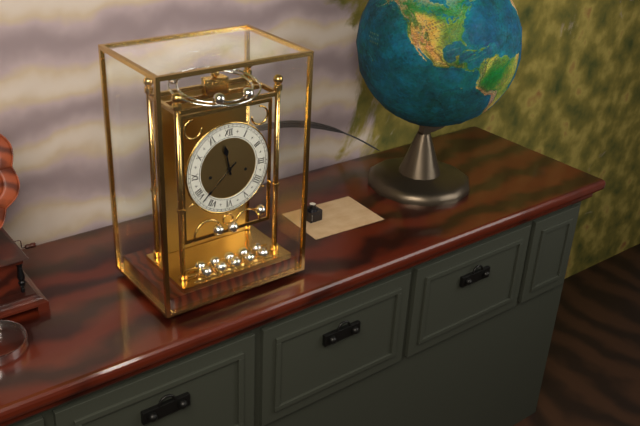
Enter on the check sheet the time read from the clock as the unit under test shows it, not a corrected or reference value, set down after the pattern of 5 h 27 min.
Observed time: 11 h 38 min
